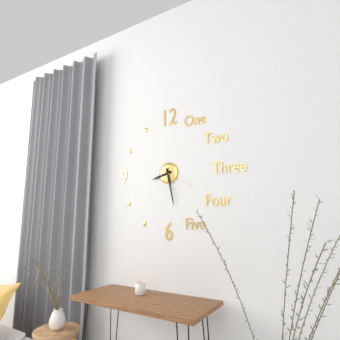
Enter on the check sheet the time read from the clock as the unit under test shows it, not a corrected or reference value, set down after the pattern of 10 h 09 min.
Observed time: 8 h 28 min
